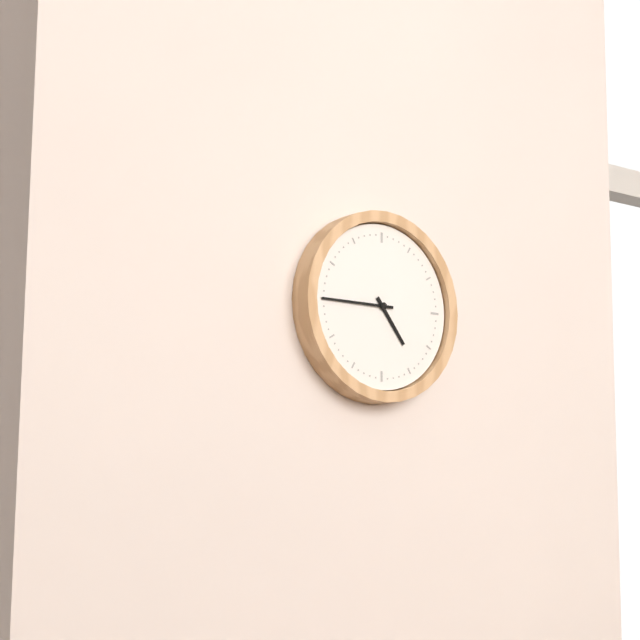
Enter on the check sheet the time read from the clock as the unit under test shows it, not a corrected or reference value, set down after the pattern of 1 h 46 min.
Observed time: 4 h 45 min
